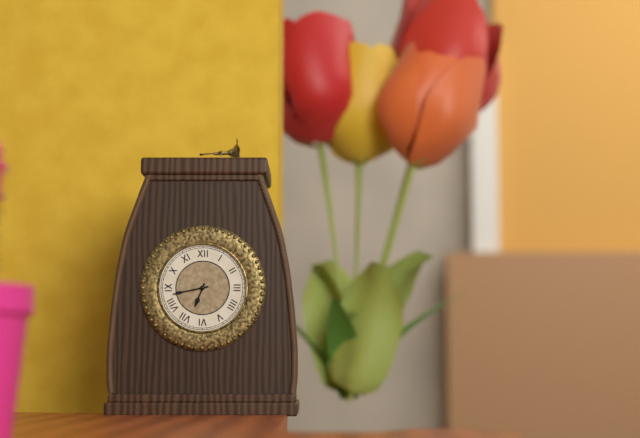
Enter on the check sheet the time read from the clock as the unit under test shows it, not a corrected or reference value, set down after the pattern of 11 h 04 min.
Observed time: 6 h 43 min
